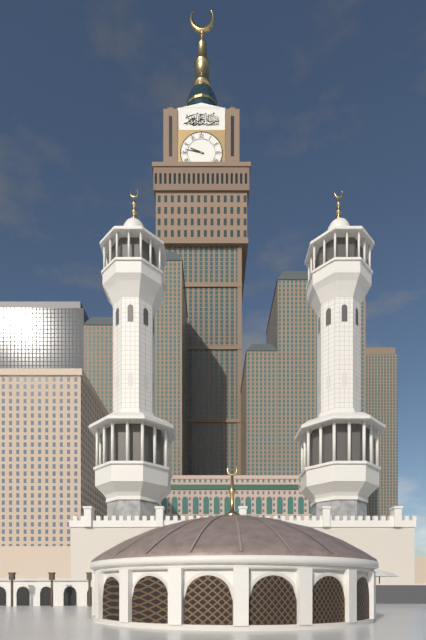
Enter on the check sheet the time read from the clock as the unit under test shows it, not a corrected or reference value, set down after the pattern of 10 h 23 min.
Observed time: 9 h 47 min
